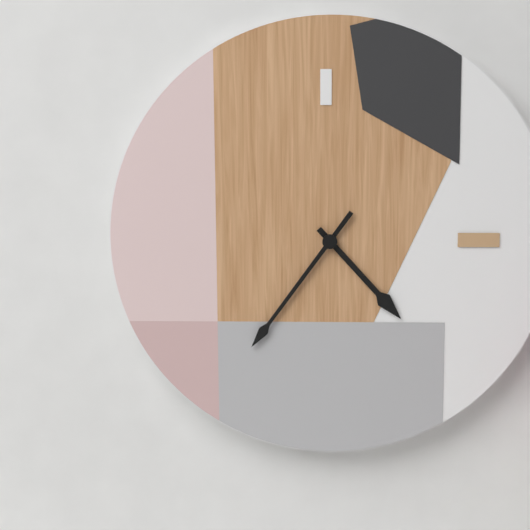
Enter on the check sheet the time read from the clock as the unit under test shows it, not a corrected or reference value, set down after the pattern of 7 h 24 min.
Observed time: 4 h 36 min
